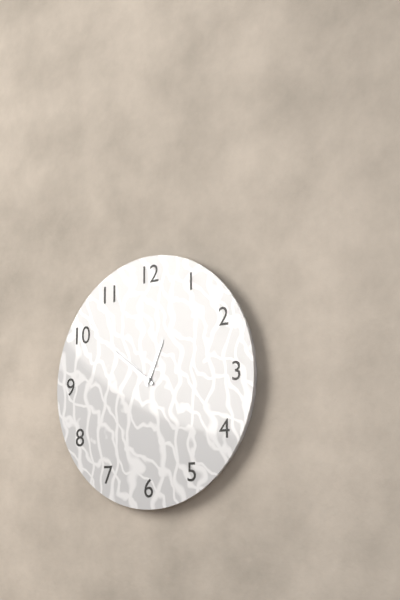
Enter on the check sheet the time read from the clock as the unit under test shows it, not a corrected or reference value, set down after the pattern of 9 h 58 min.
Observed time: 12 h 51 min
